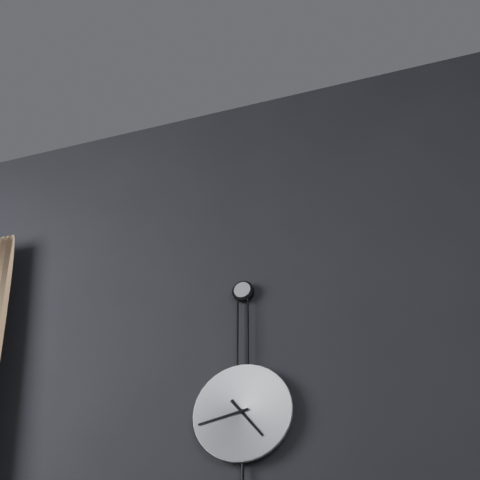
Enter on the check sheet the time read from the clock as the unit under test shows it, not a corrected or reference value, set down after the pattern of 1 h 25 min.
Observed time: 4 h 43 min
